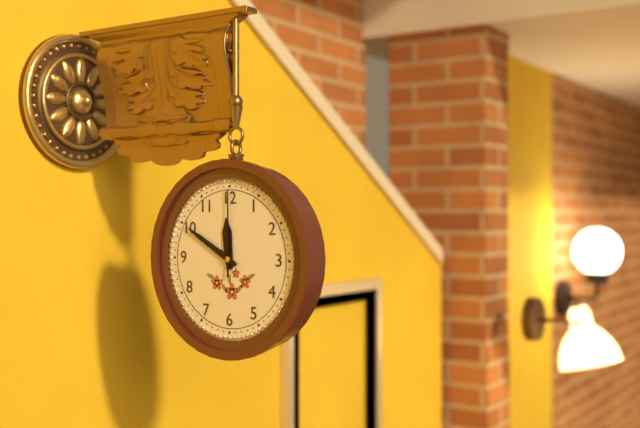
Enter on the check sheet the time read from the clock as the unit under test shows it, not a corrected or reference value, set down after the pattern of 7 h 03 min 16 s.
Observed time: 11 h 50 min 00 s
